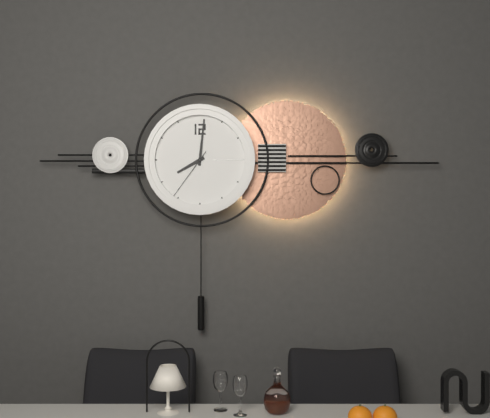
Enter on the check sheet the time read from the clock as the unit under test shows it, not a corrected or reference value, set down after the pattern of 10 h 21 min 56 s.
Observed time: 8 h 01 min 36 s
